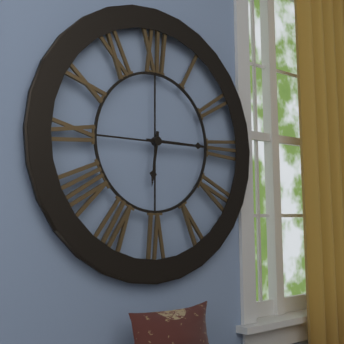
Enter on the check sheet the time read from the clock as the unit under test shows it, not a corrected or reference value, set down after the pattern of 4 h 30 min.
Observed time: 6 h 15 min
